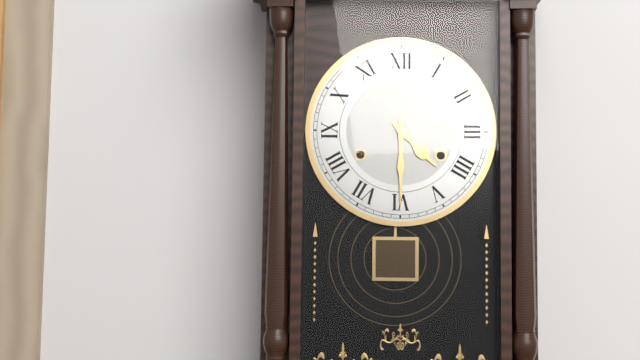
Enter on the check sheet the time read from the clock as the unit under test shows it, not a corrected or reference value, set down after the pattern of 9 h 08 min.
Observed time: 4 h 30 min
